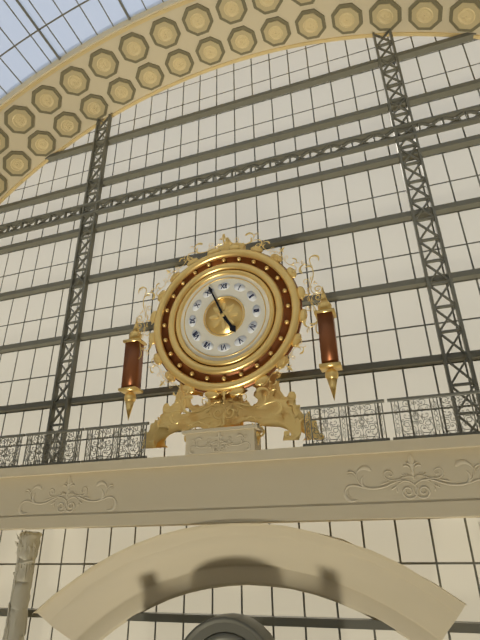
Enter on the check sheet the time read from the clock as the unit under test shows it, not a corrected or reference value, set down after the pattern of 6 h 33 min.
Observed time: 4 h 56 min
